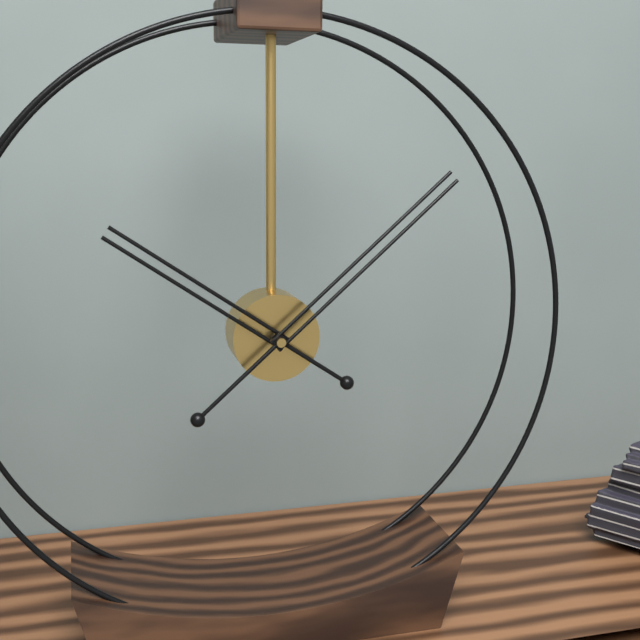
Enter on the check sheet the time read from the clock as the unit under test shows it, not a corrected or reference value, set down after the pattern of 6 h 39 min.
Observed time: 10 h 08 min
